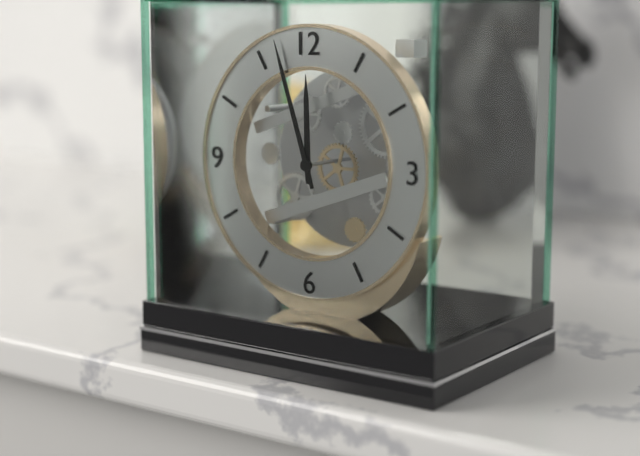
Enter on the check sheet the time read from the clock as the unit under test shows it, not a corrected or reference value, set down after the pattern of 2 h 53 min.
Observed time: 11 h 57 min
